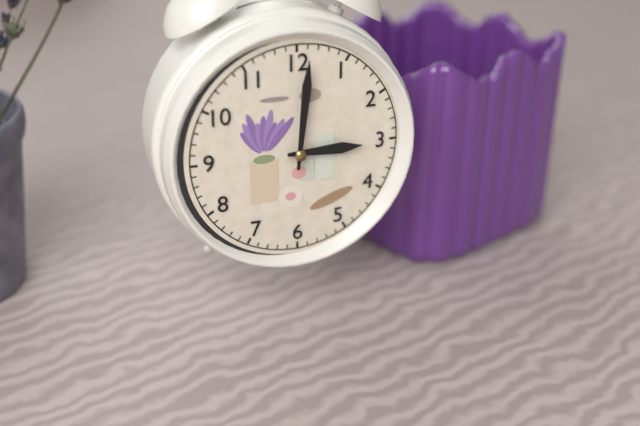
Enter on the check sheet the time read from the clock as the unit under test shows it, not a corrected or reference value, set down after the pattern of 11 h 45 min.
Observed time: 3 h 01 min
